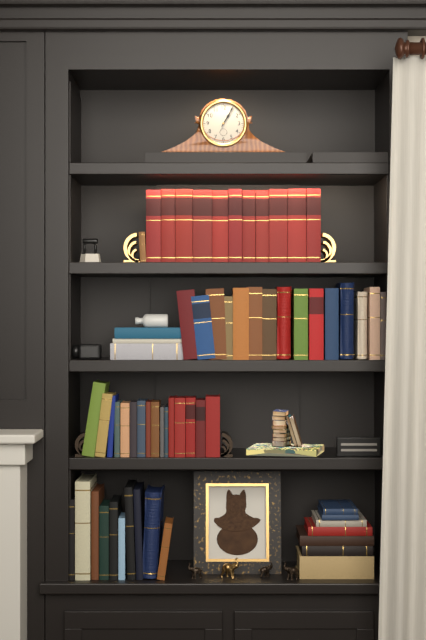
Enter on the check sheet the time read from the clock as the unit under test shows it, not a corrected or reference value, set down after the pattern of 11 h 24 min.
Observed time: 1 h 05 min
